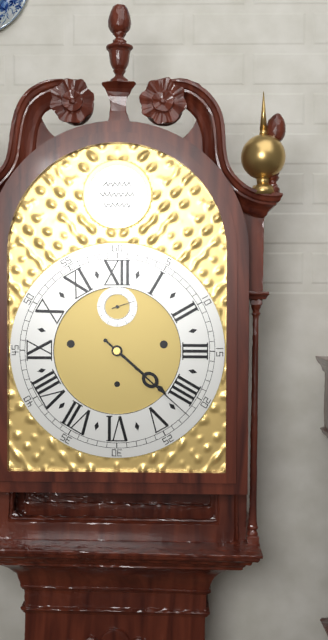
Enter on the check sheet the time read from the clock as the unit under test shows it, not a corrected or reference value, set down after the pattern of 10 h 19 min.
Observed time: 4 h 22 min
